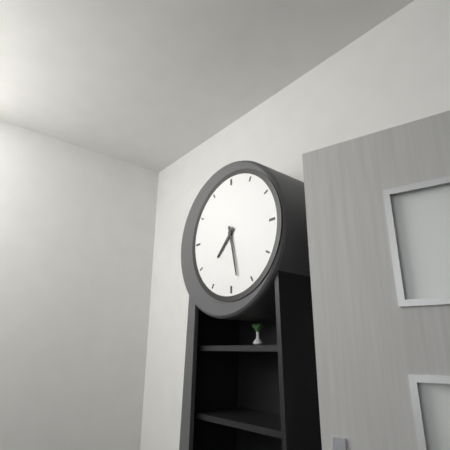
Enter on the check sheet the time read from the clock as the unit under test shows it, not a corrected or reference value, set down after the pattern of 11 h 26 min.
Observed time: 7 h 28 min
